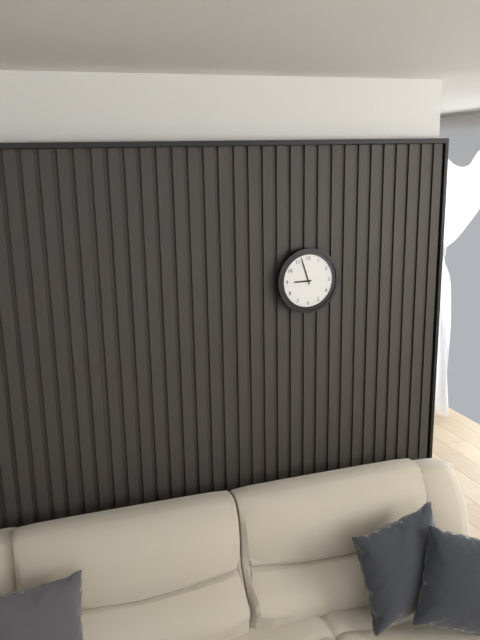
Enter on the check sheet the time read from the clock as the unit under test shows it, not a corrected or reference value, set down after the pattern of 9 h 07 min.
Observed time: 8 h 57 min
